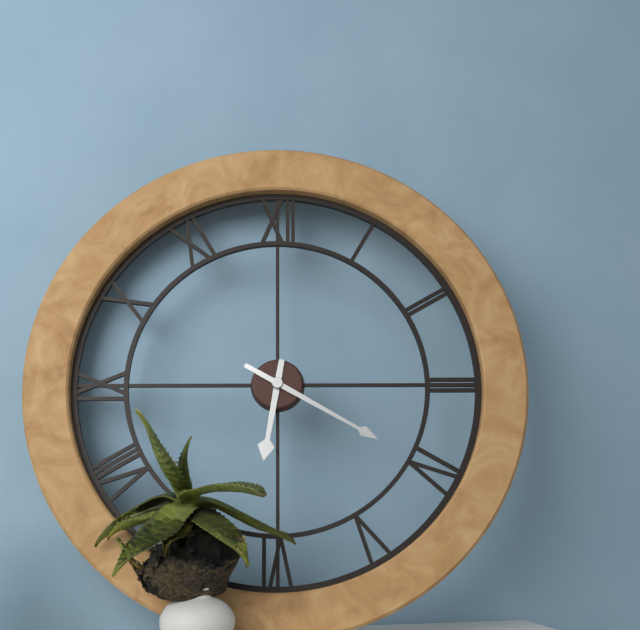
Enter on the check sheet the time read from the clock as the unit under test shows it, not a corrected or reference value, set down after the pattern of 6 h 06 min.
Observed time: 6 h 20 min
